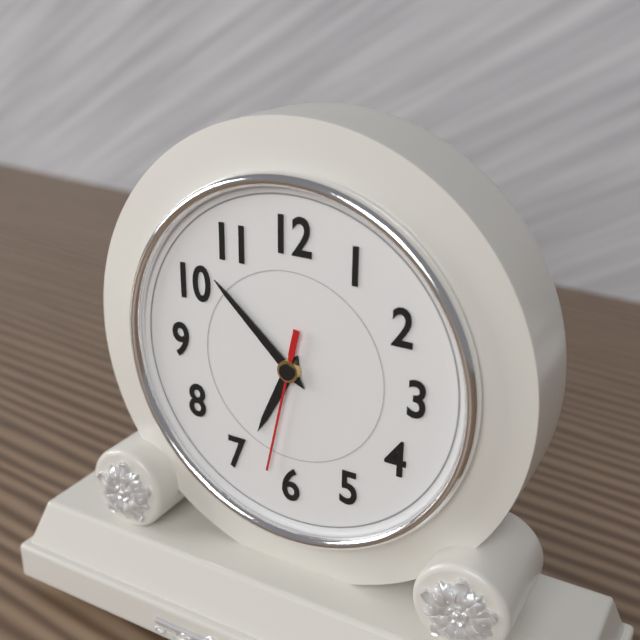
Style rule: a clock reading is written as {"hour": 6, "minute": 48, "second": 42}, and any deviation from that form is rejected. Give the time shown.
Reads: {"hour": 6, "minute": 52, "second": 32}
